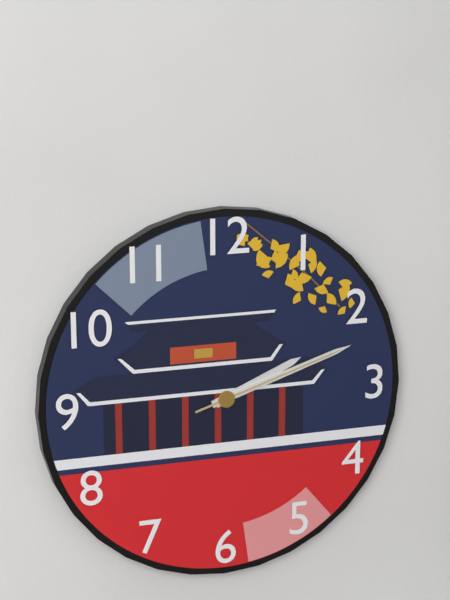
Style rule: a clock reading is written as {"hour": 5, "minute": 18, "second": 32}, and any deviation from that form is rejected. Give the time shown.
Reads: {"hour": 2, "minute": 12, "second": 12}
